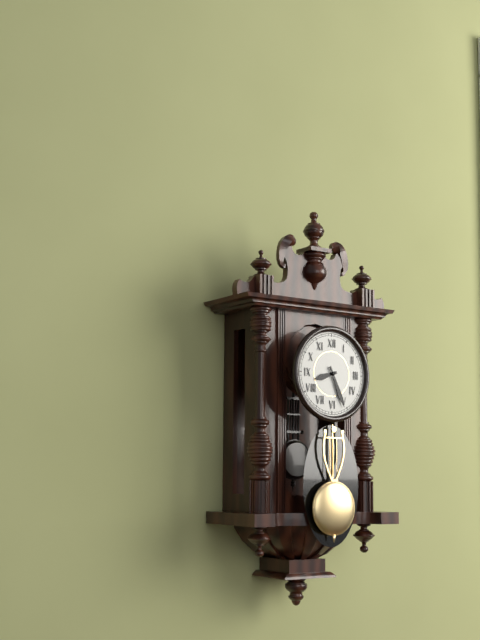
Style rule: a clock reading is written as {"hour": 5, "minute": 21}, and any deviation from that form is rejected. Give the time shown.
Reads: {"hour": 8, "minute": 26}
